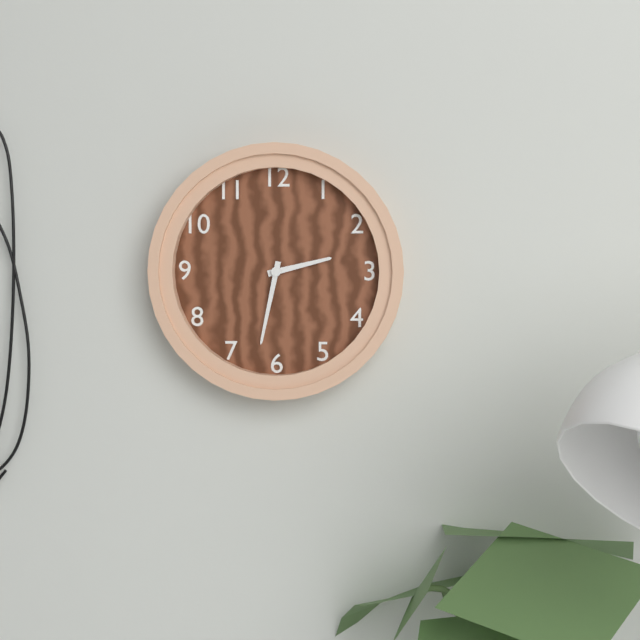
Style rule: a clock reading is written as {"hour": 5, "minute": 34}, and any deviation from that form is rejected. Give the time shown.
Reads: {"hour": 2, "minute": 32}
